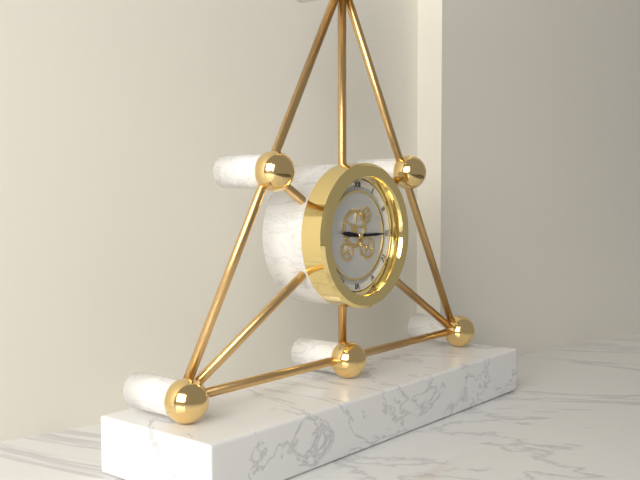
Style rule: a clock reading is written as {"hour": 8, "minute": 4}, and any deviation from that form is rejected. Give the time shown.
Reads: {"hour": 9, "minute": 15}
